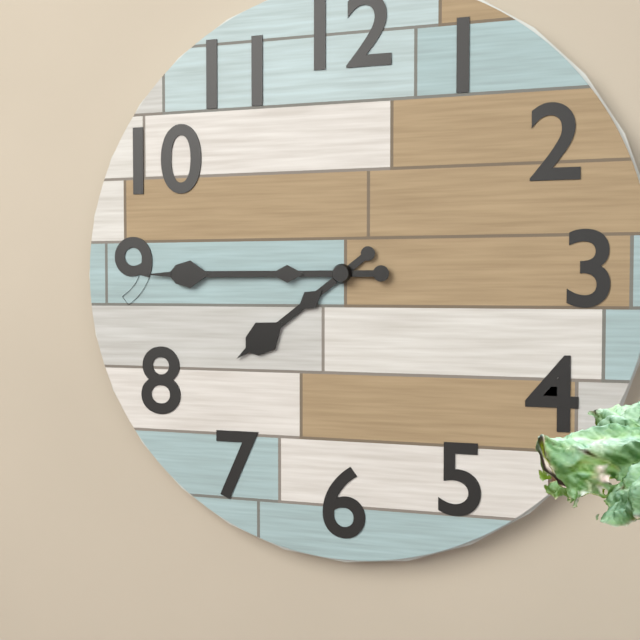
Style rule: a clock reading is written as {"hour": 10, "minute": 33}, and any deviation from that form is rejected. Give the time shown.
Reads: {"hour": 7, "minute": 45}
